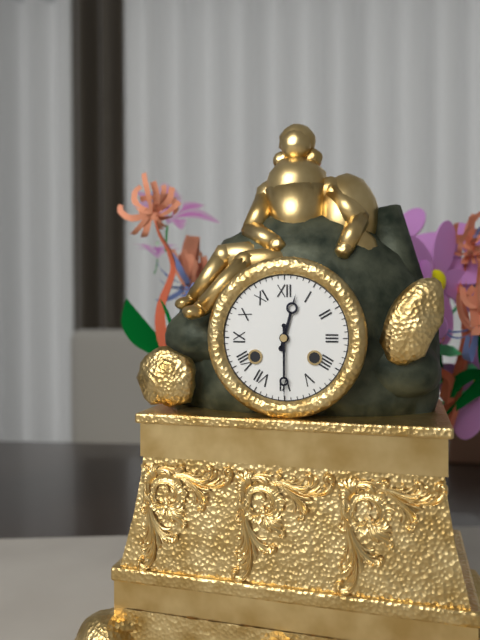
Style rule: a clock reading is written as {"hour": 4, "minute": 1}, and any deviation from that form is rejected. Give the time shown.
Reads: {"hour": 12, "minute": 30}
